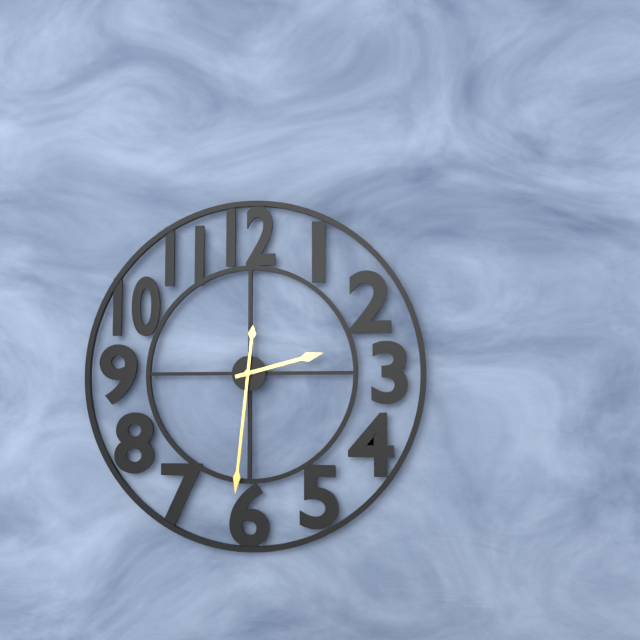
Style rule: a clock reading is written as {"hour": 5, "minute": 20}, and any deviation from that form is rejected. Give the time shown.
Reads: {"hour": 2, "minute": 31}
